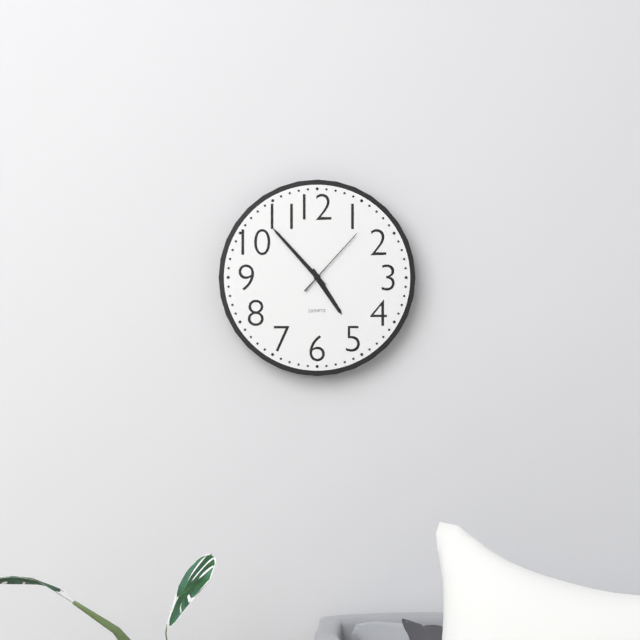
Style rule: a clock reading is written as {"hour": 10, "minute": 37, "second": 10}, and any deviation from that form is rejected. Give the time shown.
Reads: {"hour": 4, "minute": 53, "second": 7}
